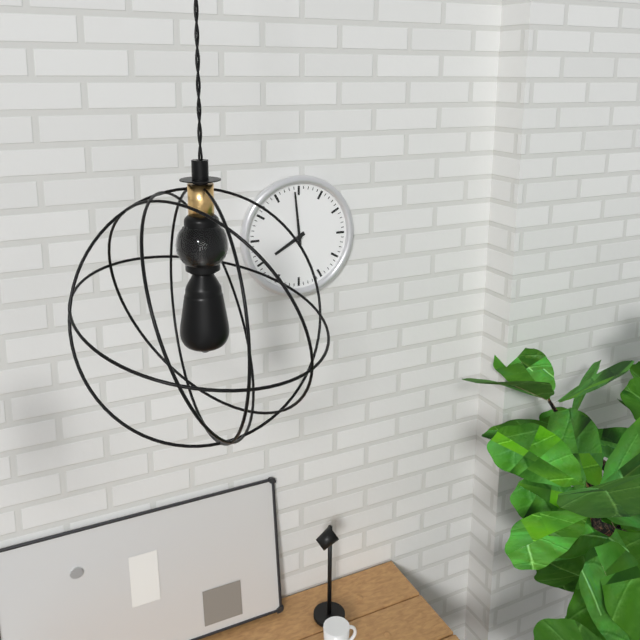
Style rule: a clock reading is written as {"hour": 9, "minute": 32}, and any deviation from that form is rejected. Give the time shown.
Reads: {"hour": 7, "minute": 59}
